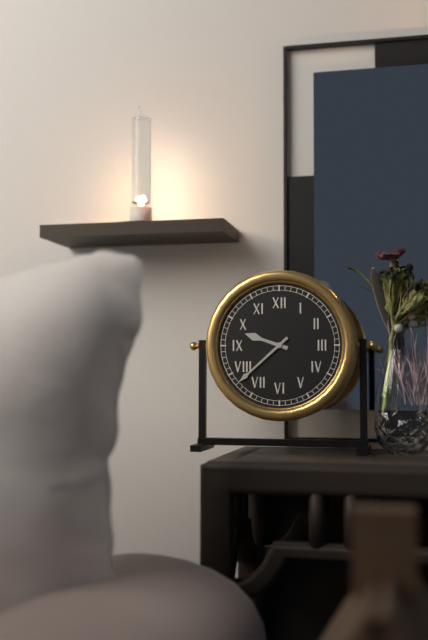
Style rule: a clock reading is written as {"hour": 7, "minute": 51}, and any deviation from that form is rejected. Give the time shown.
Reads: {"hour": 9, "minute": 38}
